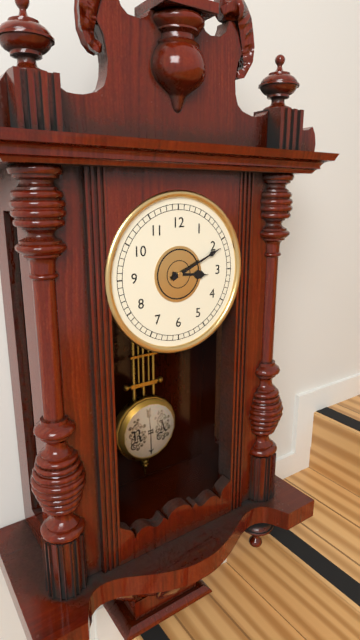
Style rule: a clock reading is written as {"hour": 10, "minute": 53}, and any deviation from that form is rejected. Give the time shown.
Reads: {"hour": 3, "minute": 11}
